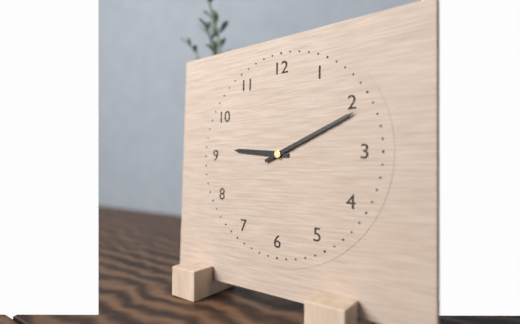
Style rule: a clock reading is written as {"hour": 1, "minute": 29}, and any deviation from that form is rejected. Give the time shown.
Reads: {"hour": 9, "minute": 11}
